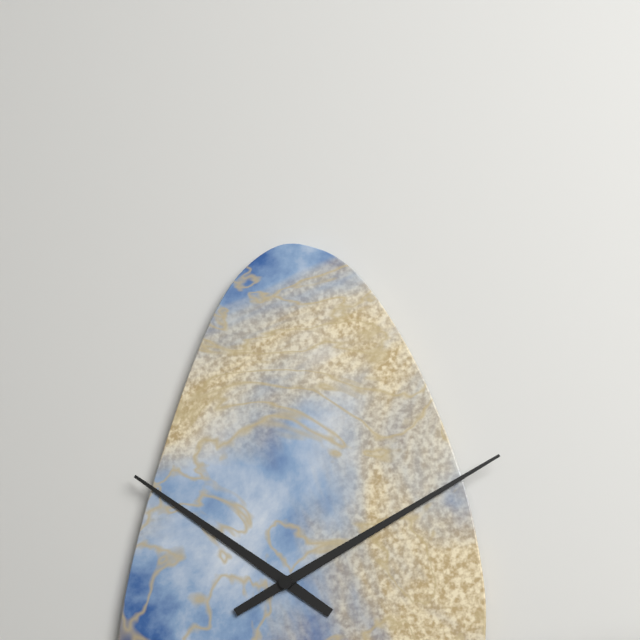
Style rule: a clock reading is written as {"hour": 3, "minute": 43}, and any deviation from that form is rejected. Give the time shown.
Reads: {"hour": 10, "minute": 10}
